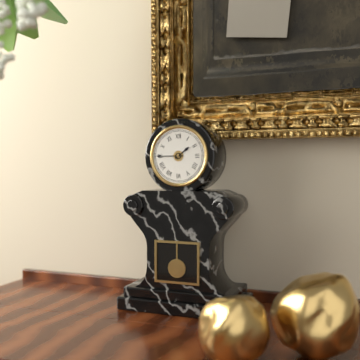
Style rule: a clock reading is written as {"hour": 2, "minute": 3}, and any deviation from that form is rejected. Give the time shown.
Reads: {"hour": 1, "minute": 45}
